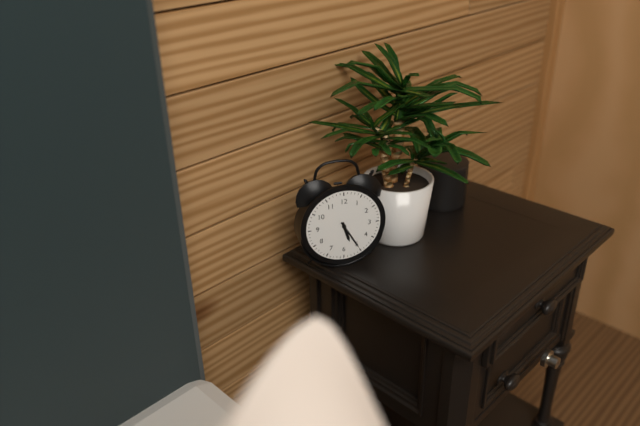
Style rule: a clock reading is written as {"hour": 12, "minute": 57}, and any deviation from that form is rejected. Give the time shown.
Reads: {"hour": 5, "minute": 25}
